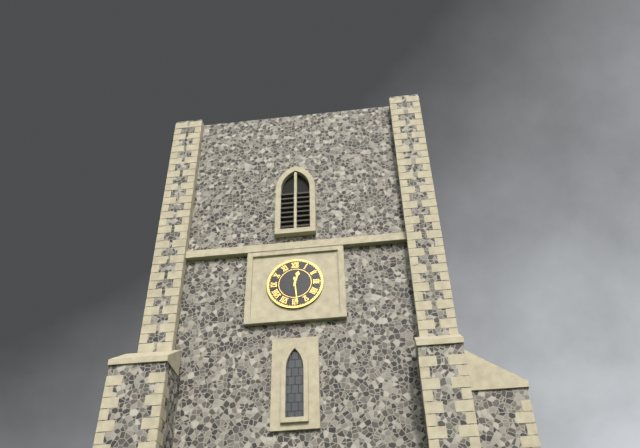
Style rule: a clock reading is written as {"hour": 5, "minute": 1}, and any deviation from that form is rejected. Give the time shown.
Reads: {"hour": 12, "minute": 29}
